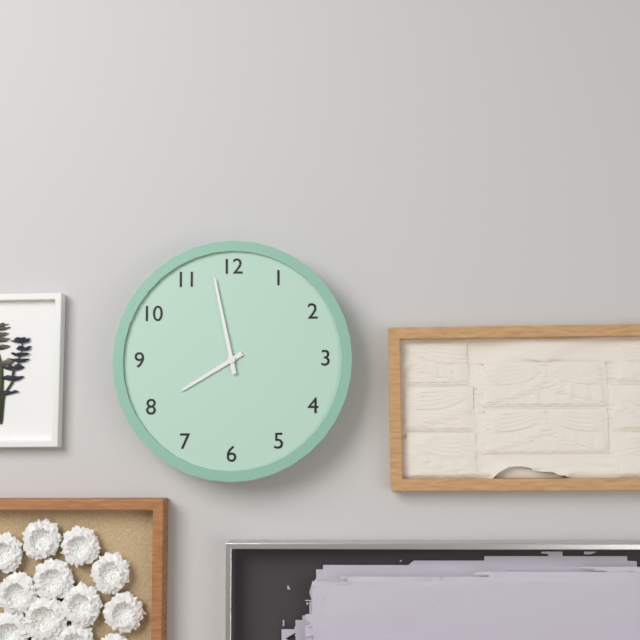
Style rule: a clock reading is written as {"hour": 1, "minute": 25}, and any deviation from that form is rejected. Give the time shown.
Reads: {"hour": 7, "minute": 58}
